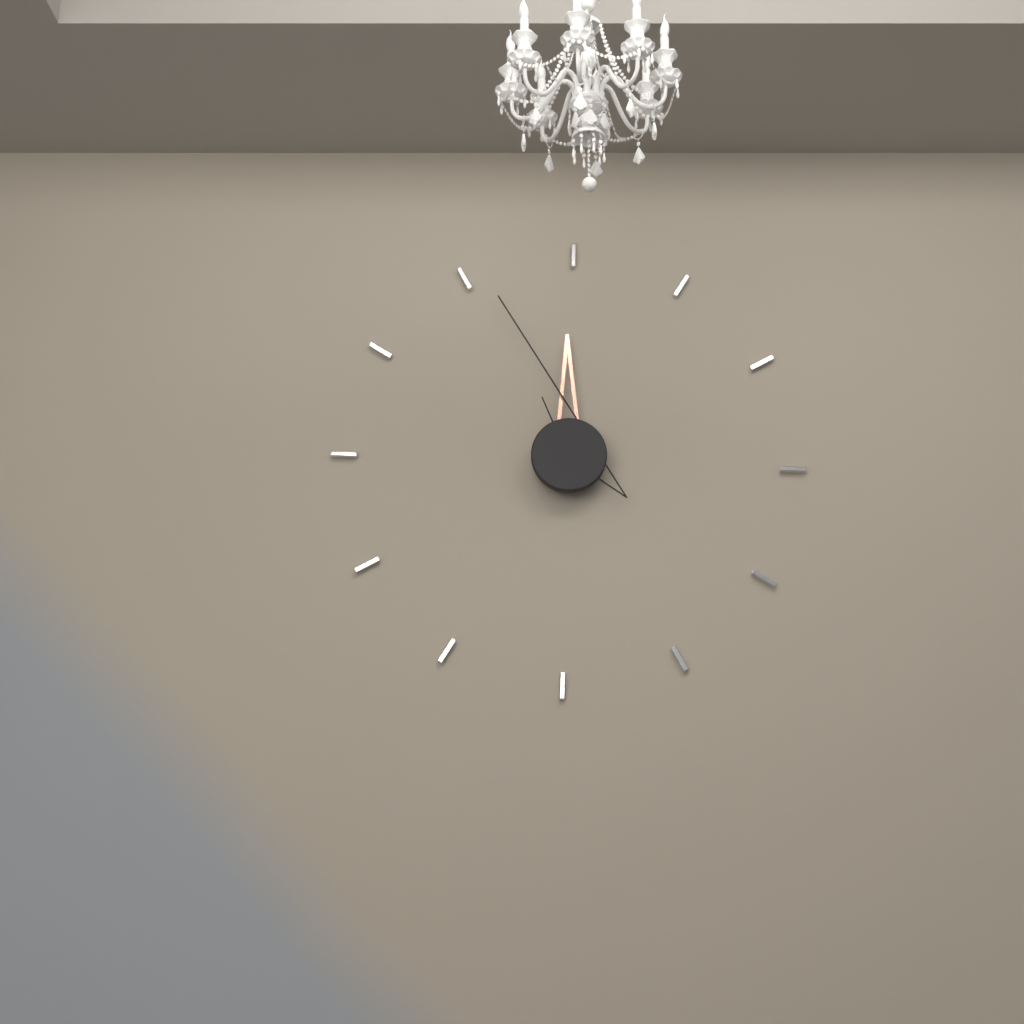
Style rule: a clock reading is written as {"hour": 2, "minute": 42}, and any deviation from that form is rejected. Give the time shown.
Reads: {"hour": 11, "minute": 56}
